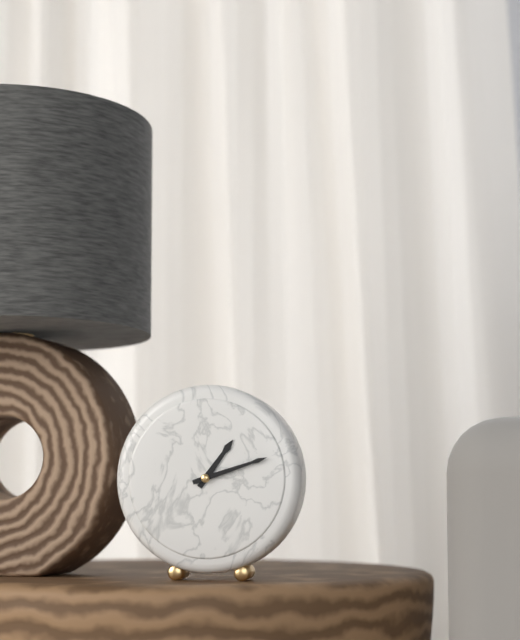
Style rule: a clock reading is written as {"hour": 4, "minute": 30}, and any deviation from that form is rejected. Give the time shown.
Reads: {"hour": 1, "minute": 12}
